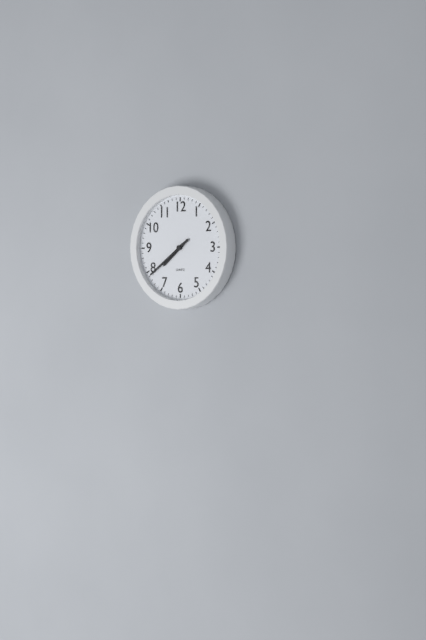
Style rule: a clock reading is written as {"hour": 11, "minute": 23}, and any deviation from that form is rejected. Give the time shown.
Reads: {"hour": 7, "minute": 39}
